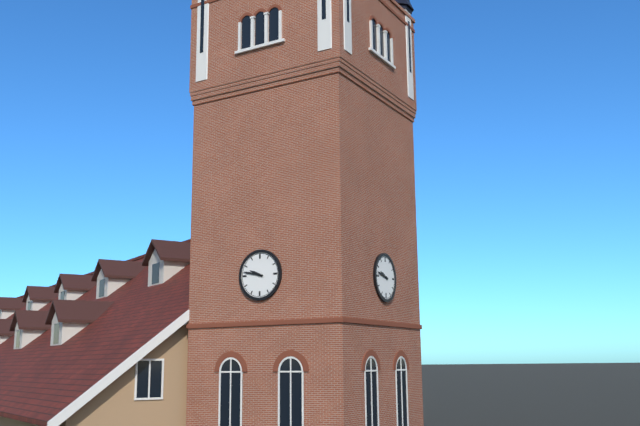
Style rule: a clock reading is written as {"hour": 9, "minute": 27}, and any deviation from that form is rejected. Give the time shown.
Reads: {"hour": 9, "minute": 47}
